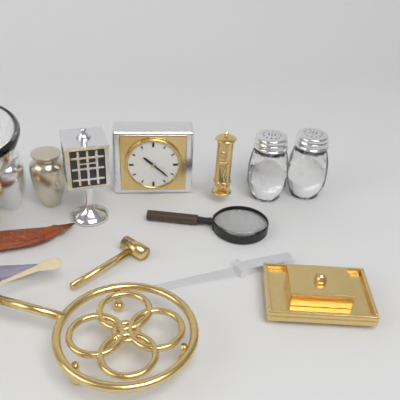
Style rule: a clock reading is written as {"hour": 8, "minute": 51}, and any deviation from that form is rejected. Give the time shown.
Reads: {"hour": 10, "minute": 22}
